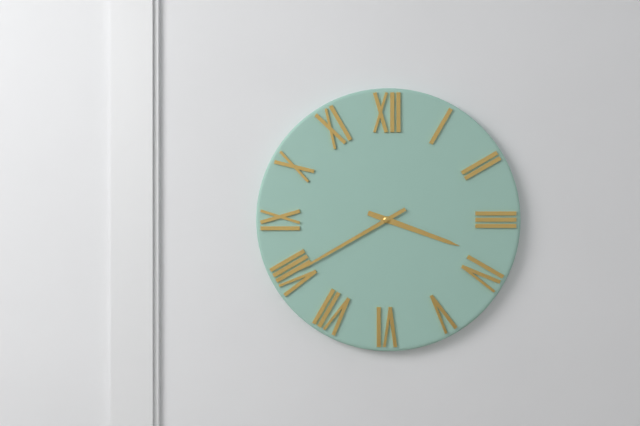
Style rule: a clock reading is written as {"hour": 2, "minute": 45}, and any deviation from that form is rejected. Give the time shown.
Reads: {"hour": 3, "minute": 40}
